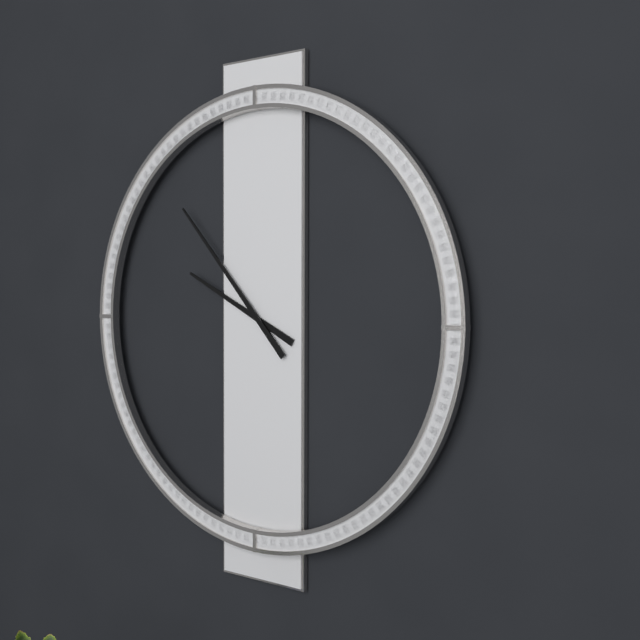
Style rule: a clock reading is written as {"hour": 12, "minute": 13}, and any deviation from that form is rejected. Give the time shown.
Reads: {"hour": 9, "minute": 53}
